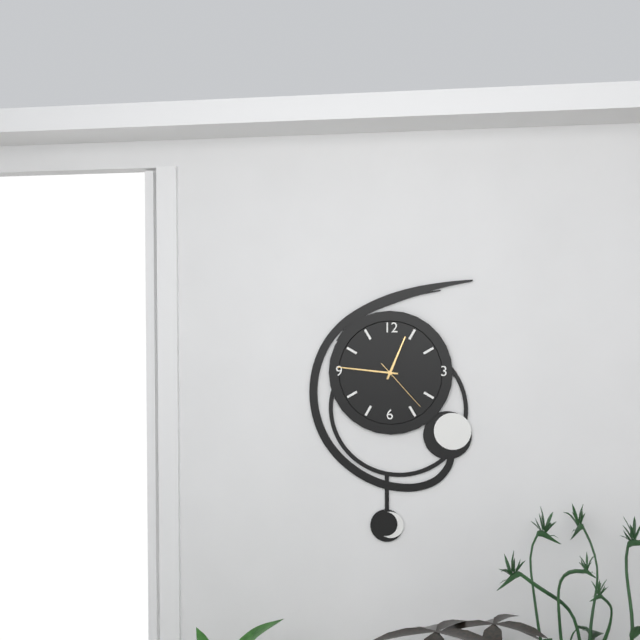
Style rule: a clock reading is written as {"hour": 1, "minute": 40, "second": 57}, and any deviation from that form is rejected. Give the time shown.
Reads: {"hour": 12, "minute": 46, "second": 23}
